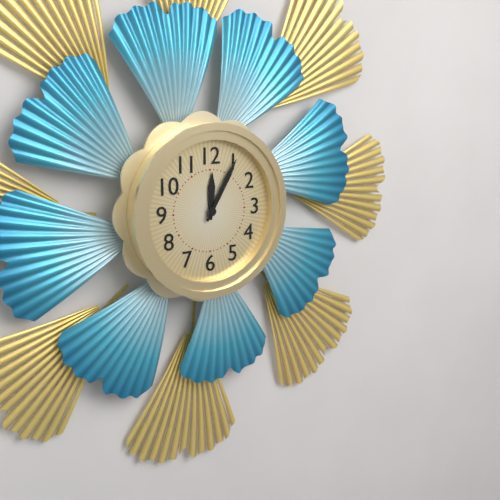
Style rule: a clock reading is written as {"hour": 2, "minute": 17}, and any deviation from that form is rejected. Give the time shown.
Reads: {"hour": 12, "minute": 5}
